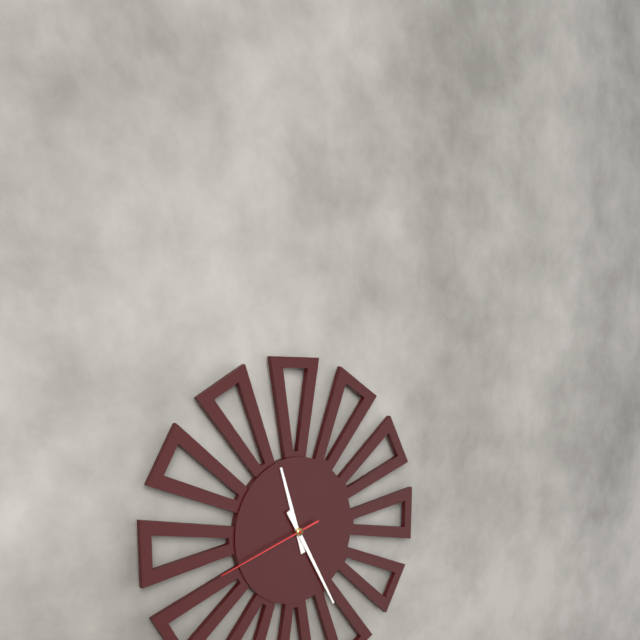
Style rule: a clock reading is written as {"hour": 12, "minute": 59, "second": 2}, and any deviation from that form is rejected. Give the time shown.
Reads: {"hour": 11, "minute": 25, "second": 42}
